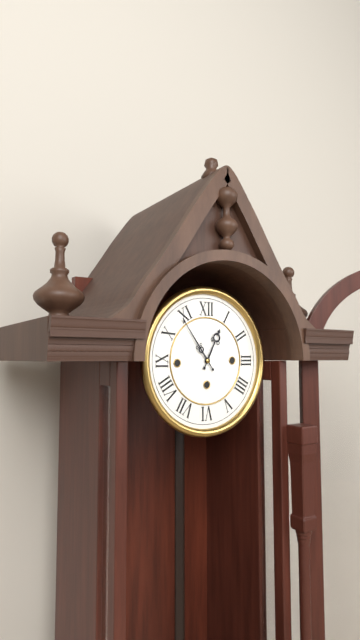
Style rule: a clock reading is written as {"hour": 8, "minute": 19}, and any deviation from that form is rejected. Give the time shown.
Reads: {"hour": 12, "minute": 54}
